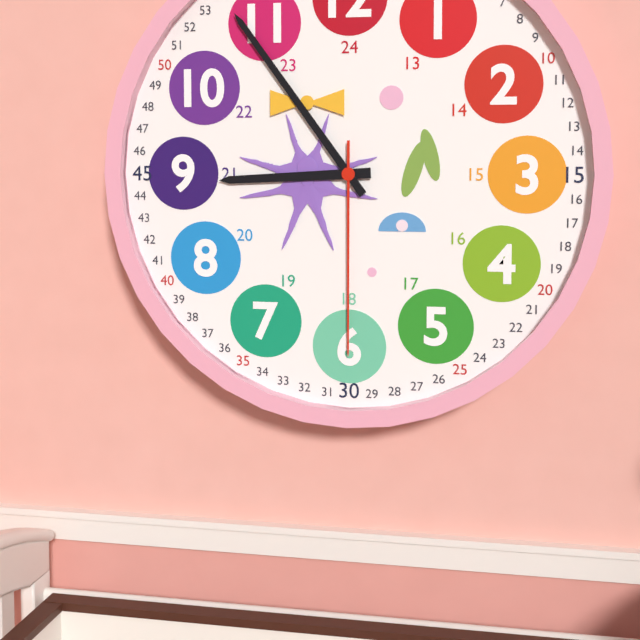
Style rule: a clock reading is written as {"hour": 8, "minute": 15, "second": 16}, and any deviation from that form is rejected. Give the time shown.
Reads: {"hour": 8, "minute": 54, "second": 30}
